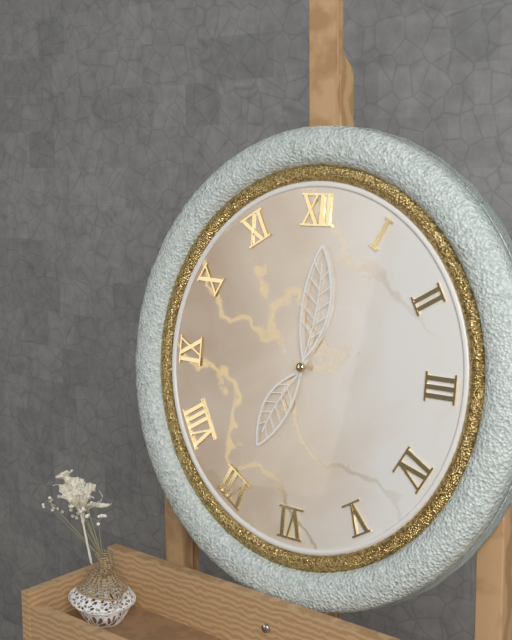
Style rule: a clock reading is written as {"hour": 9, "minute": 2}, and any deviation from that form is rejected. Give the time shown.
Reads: {"hour": 7, "minute": 1}
